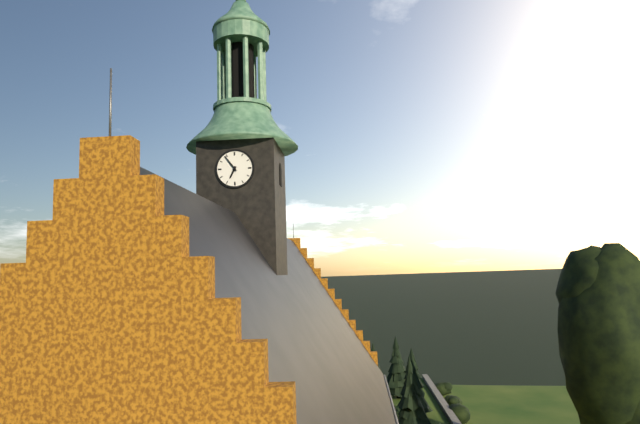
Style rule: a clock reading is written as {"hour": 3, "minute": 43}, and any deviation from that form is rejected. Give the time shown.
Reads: {"hour": 6, "minute": 54}
